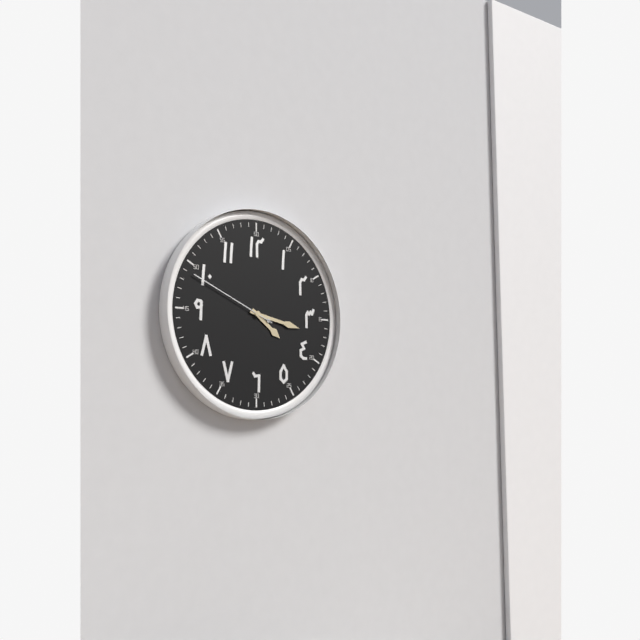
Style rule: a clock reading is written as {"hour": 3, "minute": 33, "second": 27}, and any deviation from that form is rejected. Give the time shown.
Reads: {"hour": 4, "minute": 17, "second": 49}
